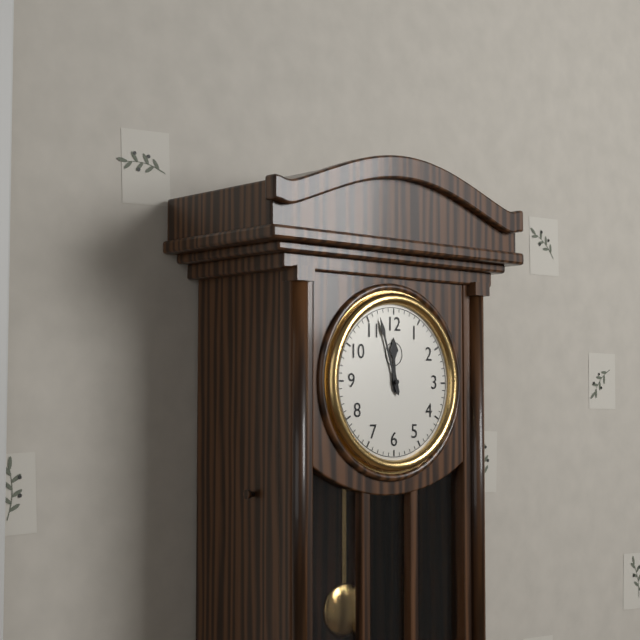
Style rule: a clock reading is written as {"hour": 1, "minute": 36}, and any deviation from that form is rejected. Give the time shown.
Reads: {"hour": 11, "minute": 57}
